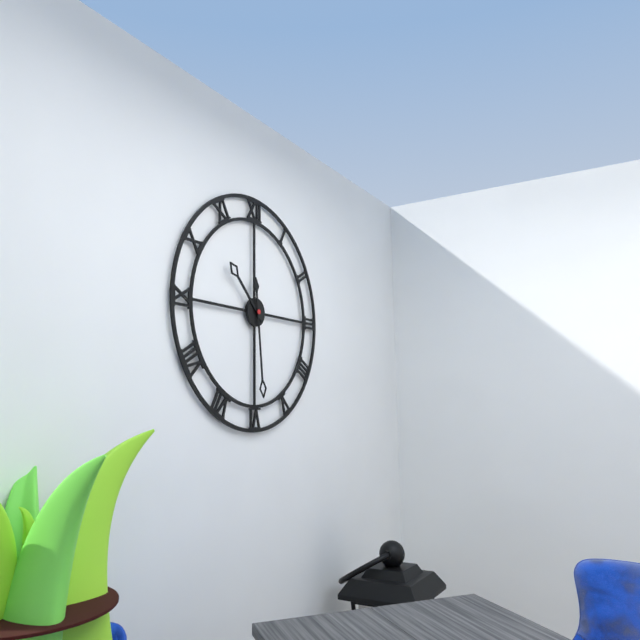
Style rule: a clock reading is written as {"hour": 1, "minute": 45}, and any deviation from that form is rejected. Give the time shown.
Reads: {"hour": 10, "minute": 29}
